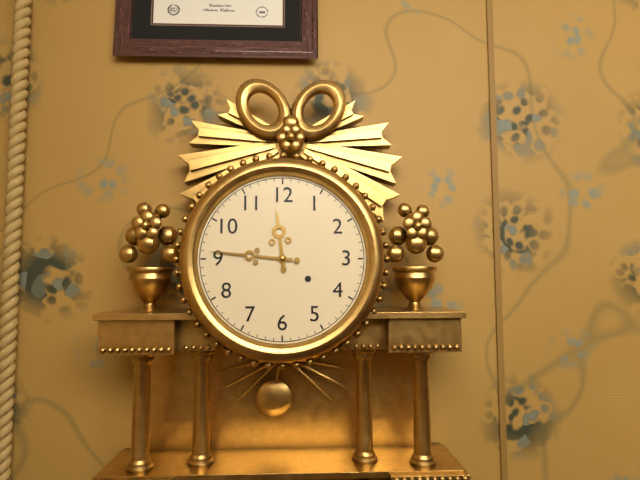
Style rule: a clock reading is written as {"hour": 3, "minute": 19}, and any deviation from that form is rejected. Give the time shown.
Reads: {"hour": 11, "minute": 46}
